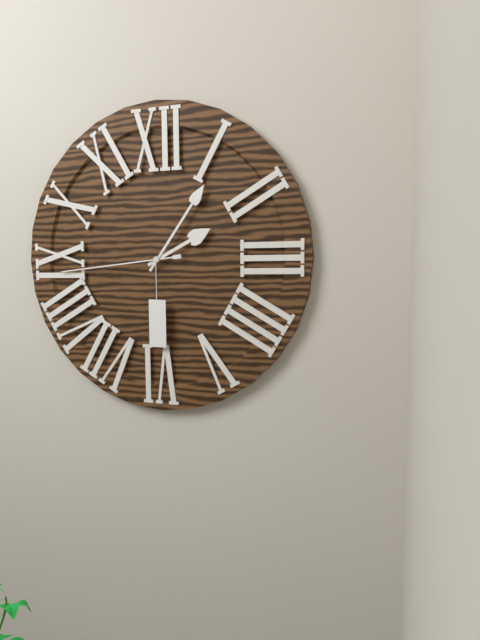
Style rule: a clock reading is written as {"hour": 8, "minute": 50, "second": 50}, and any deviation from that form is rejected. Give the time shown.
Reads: {"hour": 2, "minute": 6, "second": 44}
